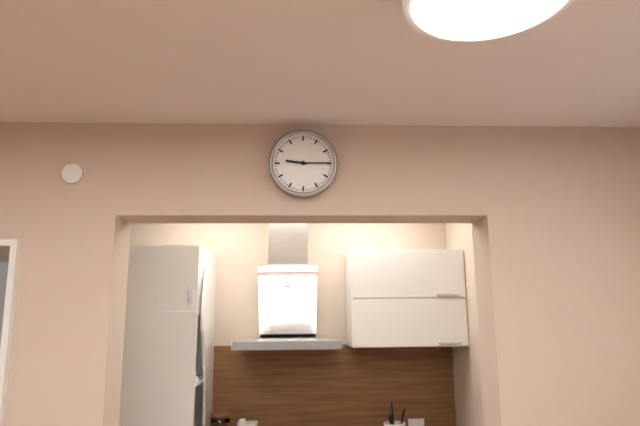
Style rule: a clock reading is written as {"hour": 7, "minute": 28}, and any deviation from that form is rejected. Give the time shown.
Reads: {"hour": 9, "minute": 15}
